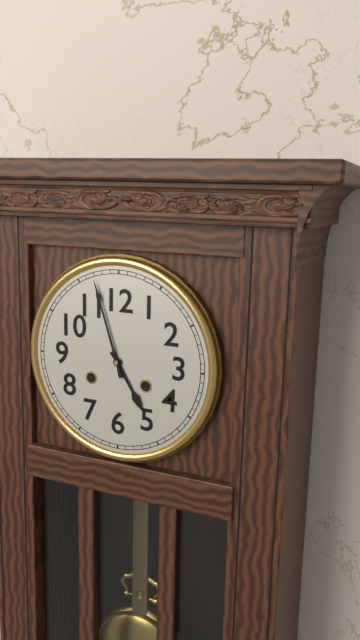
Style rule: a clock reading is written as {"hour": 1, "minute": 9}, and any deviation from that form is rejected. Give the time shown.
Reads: {"hour": 4, "minute": 57}
